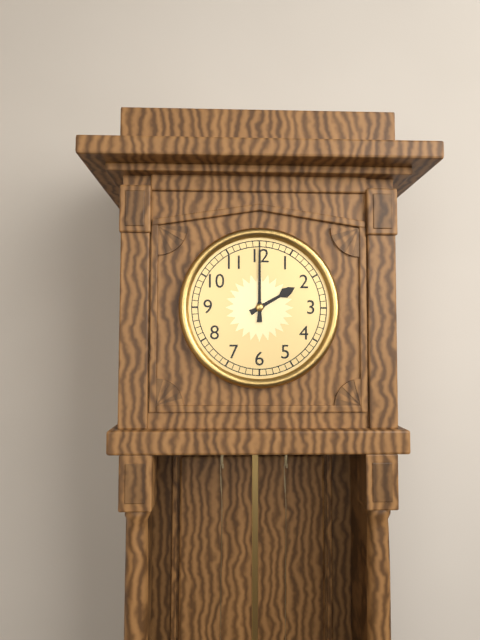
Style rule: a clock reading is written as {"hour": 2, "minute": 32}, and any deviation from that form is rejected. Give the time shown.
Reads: {"hour": 2, "minute": 0}
